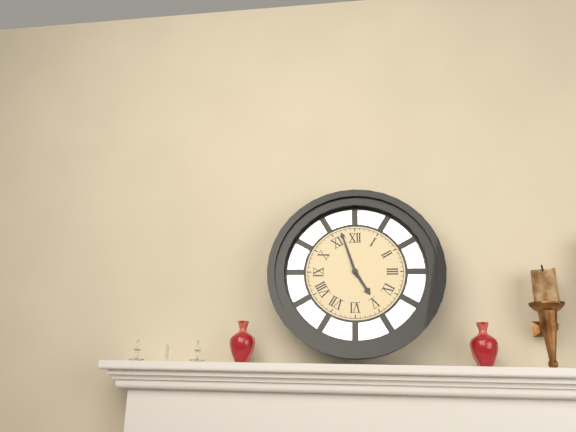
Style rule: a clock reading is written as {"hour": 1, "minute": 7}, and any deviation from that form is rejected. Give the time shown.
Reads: {"hour": 4, "minute": 57}
